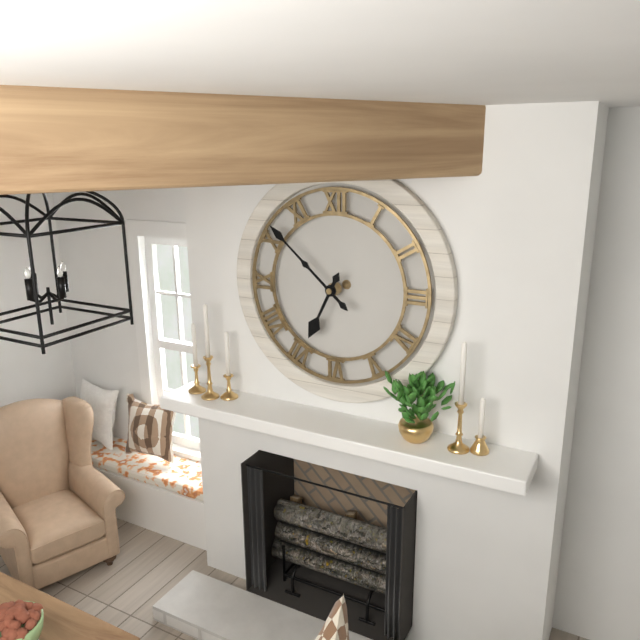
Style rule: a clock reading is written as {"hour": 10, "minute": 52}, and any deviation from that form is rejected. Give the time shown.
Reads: {"hour": 6, "minute": 52}
